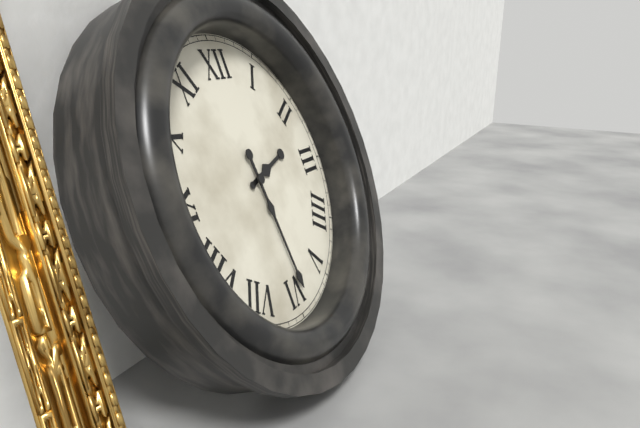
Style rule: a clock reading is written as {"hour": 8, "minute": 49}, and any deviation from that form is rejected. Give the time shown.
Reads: {"hour": 2, "minute": 29}
